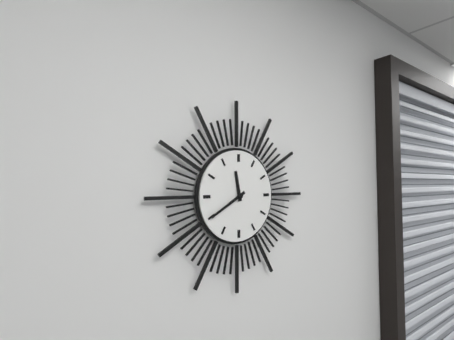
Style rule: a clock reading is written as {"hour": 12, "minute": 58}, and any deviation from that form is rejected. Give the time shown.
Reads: {"hour": 11, "minute": 40}
